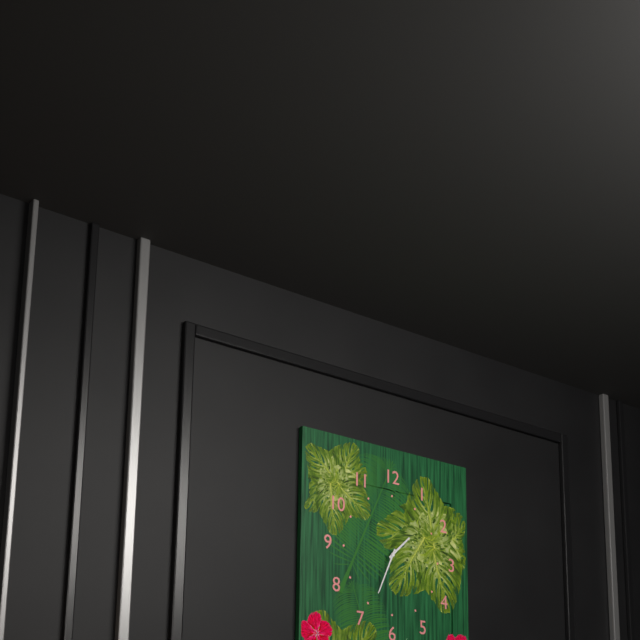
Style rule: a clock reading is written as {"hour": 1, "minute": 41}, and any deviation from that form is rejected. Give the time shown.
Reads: {"hour": 1, "minute": 34}
